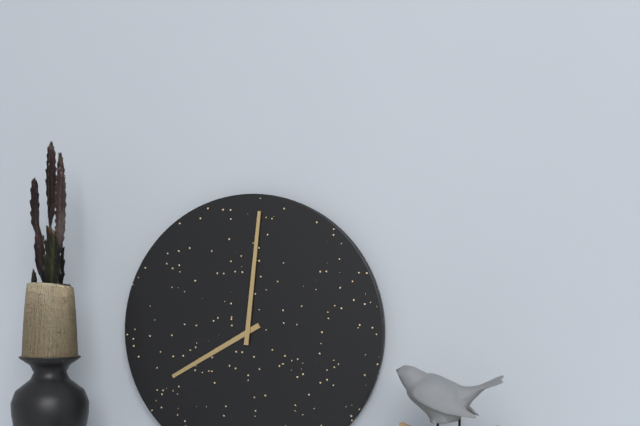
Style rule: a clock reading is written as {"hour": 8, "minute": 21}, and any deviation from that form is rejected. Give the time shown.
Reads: {"hour": 8, "minute": 1}
